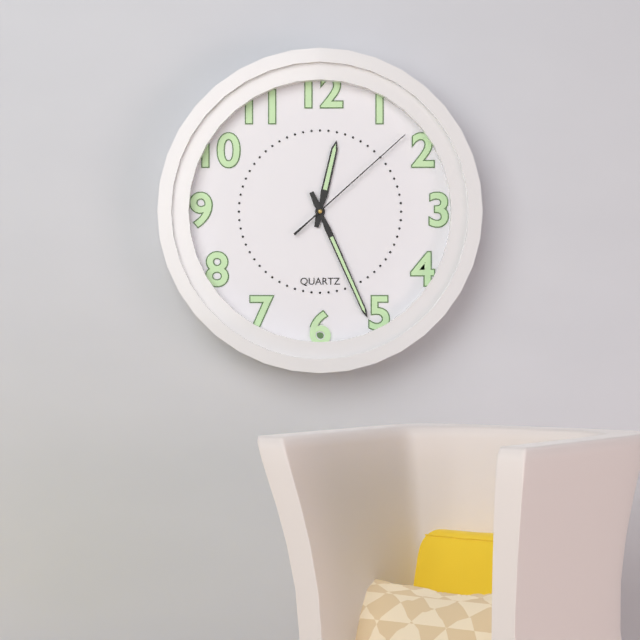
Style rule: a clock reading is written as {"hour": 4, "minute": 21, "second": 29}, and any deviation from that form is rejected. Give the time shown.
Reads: {"hour": 12, "minute": 26, "second": 8}
